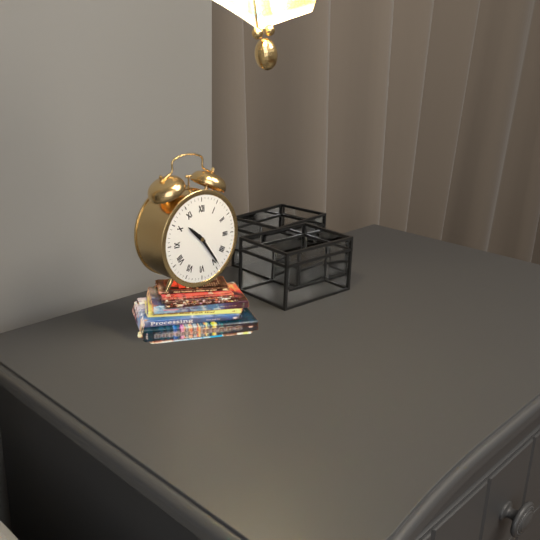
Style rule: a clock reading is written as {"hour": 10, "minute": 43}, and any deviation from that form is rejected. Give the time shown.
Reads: {"hour": 10, "minute": 24}
